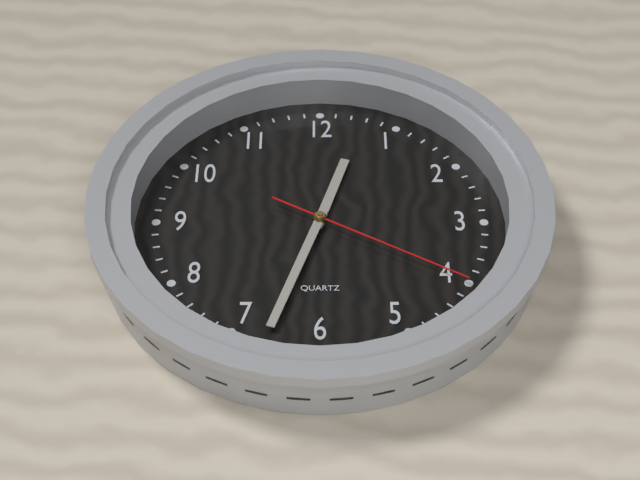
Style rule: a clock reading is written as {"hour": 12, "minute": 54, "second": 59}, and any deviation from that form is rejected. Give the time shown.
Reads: {"hour": 12, "minute": 33, "second": 20}
